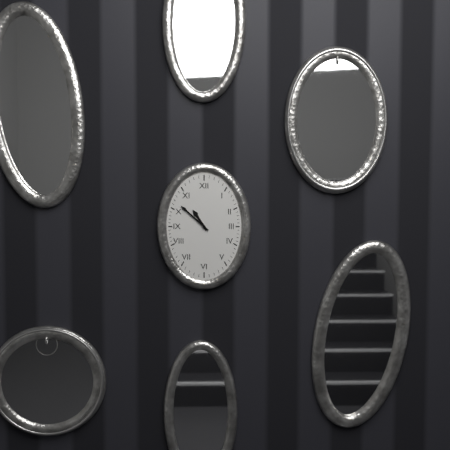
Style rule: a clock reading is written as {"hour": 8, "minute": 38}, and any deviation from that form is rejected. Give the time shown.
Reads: {"hour": 10, "minute": 52}
